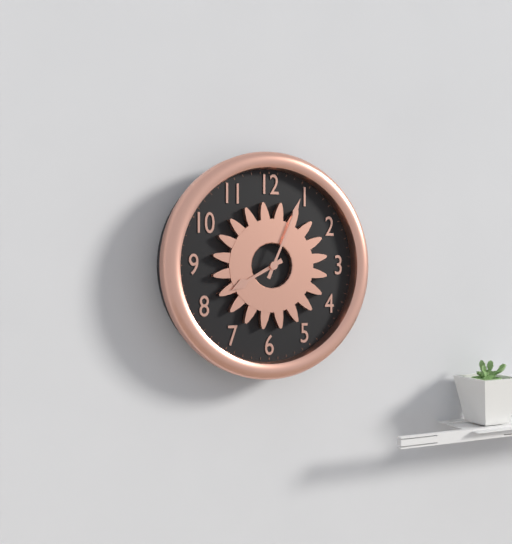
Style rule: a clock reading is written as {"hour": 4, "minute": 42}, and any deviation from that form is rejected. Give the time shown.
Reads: {"hour": 8, "minute": 4}
